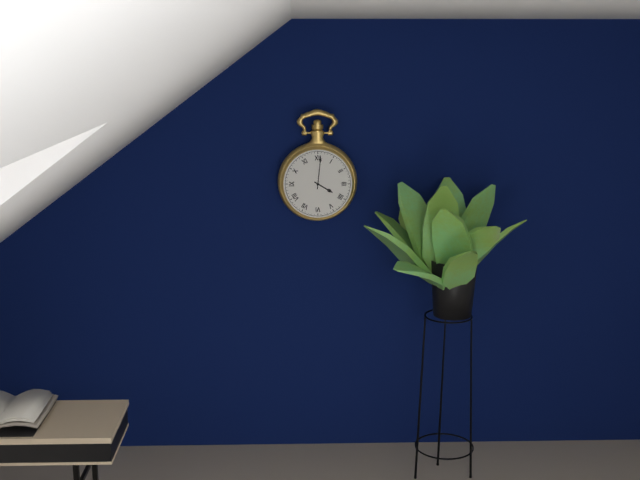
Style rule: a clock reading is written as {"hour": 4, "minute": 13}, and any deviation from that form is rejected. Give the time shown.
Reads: {"hour": 4, "minute": 1}
